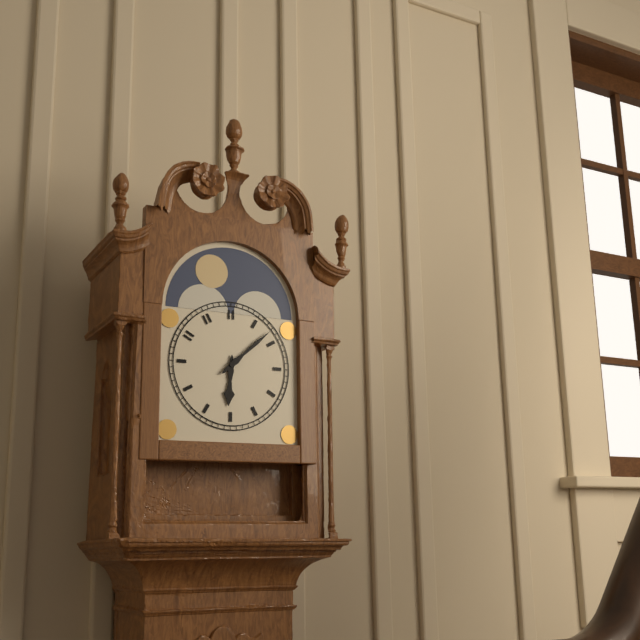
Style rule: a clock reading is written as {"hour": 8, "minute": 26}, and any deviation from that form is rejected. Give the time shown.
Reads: {"hour": 6, "minute": 8}
